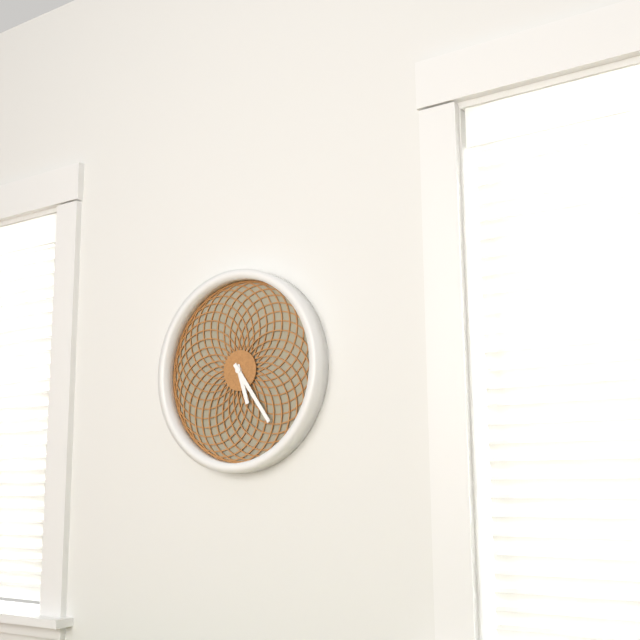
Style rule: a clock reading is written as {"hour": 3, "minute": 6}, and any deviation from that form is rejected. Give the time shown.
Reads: {"hour": 5, "minute": 24}
